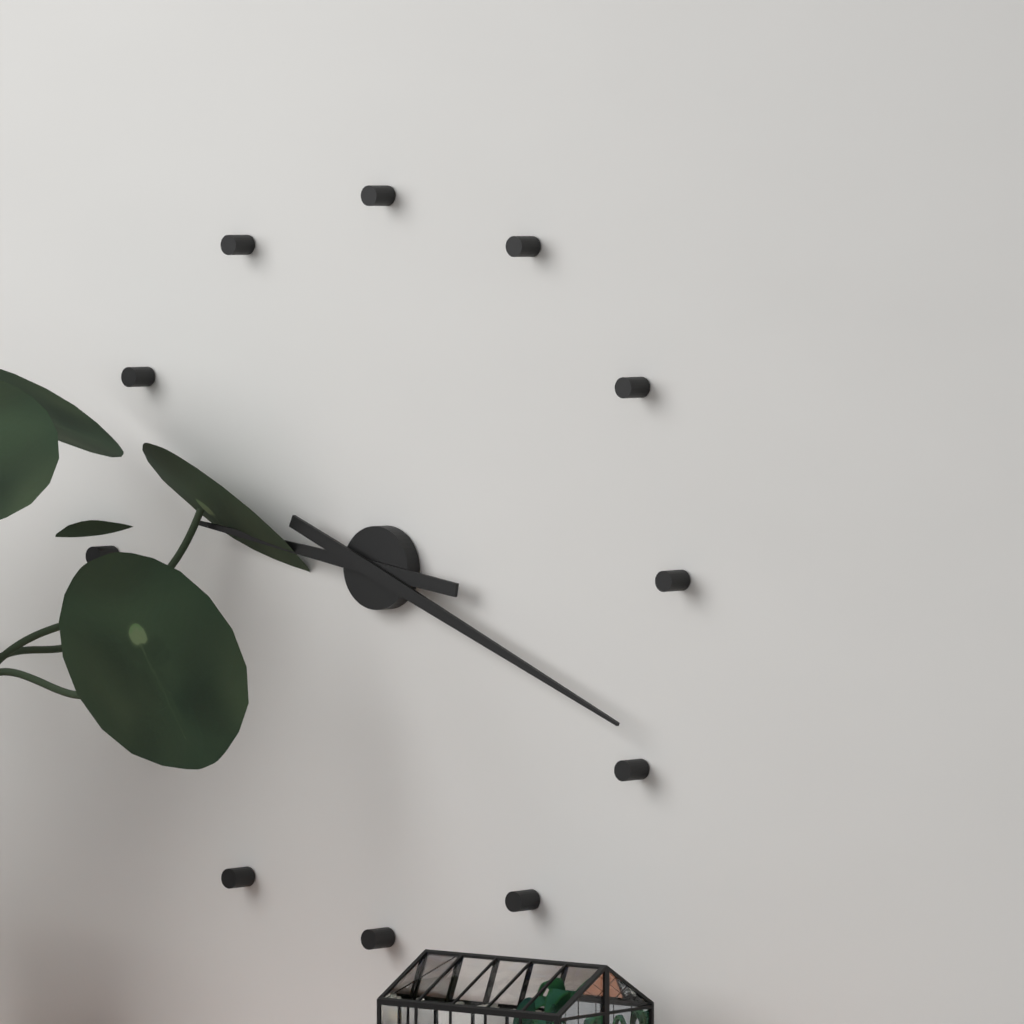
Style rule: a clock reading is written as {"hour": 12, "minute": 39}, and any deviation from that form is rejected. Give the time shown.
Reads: {"hour": 9, "minute": 19}
